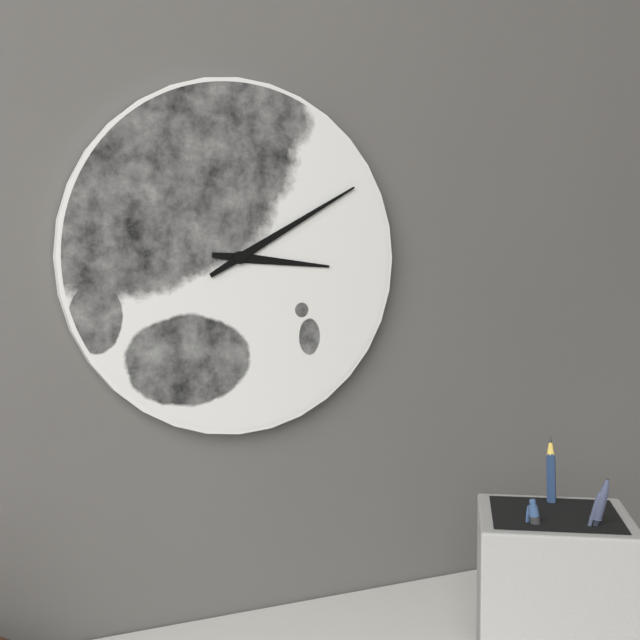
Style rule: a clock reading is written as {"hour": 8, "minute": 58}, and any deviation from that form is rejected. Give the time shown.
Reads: {"hour": 3, "minute": 10}
